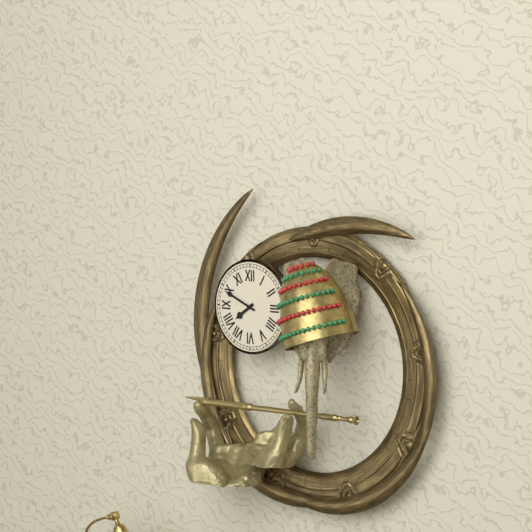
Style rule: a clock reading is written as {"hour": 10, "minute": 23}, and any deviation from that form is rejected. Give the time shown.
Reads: {"hour": 7, "minute": 49}
